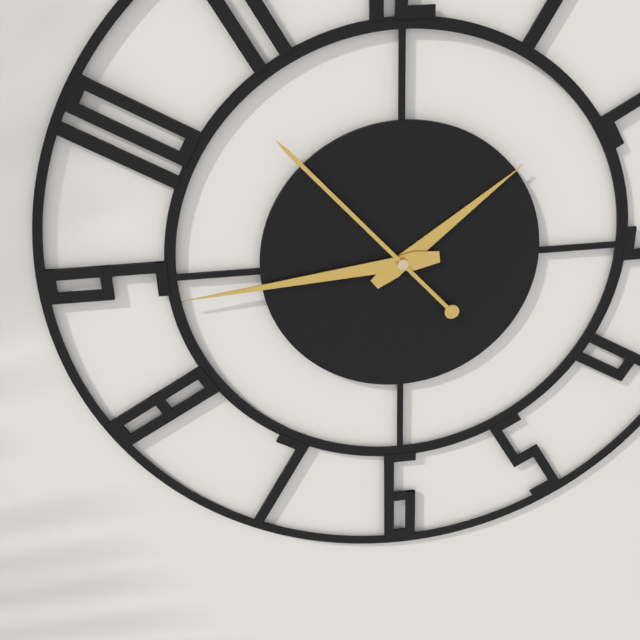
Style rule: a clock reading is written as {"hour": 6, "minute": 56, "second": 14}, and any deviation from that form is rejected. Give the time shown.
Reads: {"hour": 1, "minute": 44, "second": 53}
